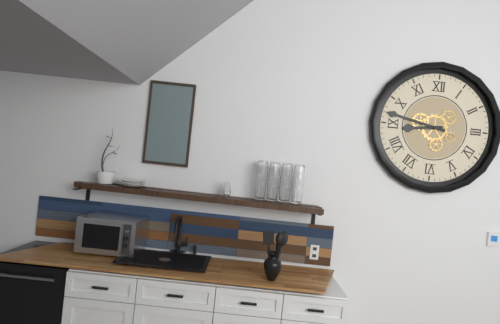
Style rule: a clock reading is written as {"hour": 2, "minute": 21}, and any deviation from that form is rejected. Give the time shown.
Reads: {"hour": 8, "minute": 47}
